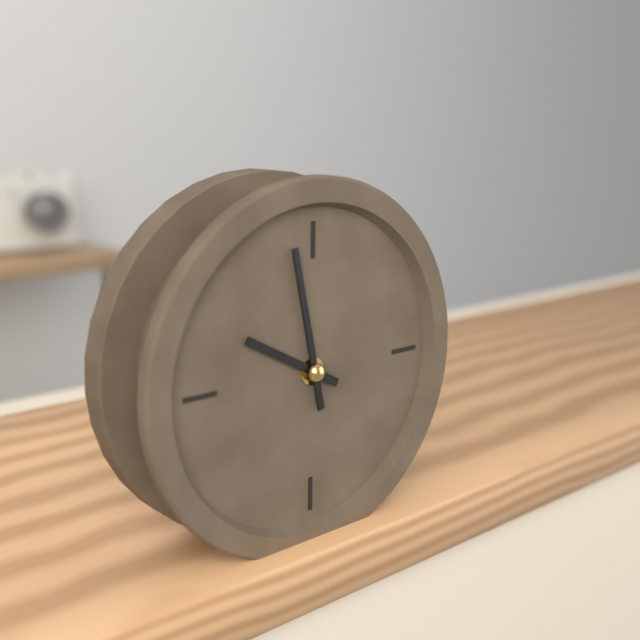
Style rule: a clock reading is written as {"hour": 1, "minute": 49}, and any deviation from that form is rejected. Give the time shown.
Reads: {"hour": 9, "minute": 58}
